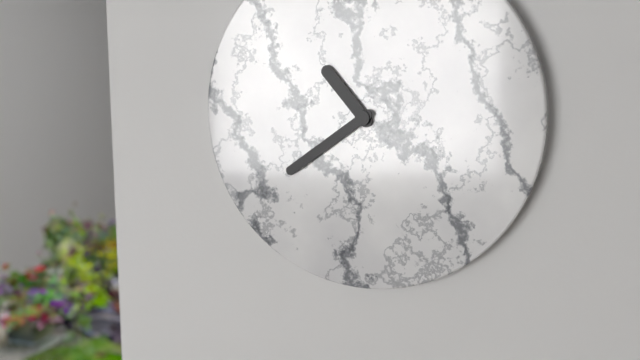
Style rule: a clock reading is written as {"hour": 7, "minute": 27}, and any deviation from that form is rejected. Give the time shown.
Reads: {"hour": 10, "minute": 39}
